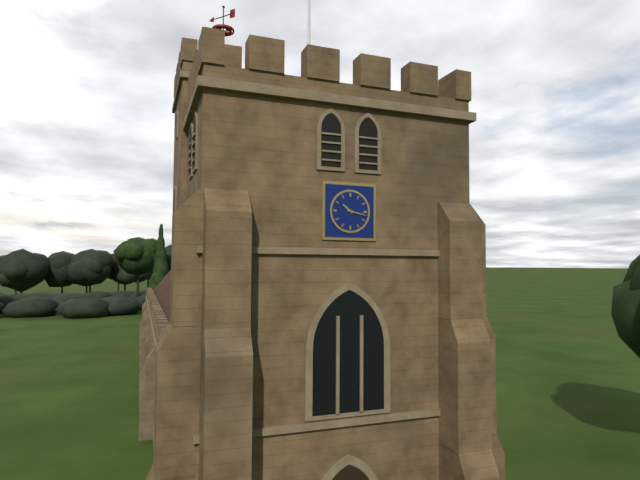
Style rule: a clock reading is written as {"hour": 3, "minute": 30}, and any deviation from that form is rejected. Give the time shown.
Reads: {"hour": 10, "minute": 17}
